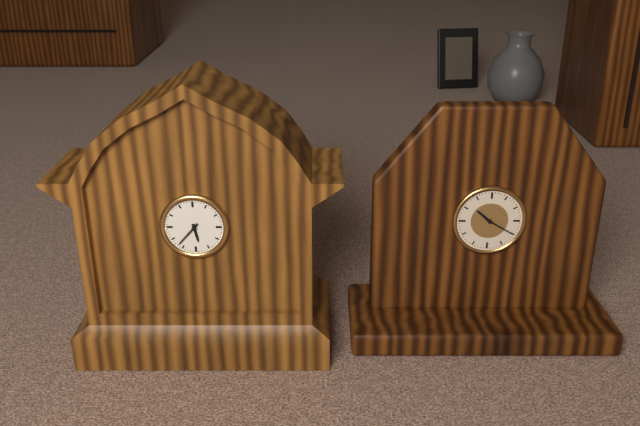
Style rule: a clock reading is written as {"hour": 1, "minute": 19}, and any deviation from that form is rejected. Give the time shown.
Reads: {"hour": 5, "minute": 37}
